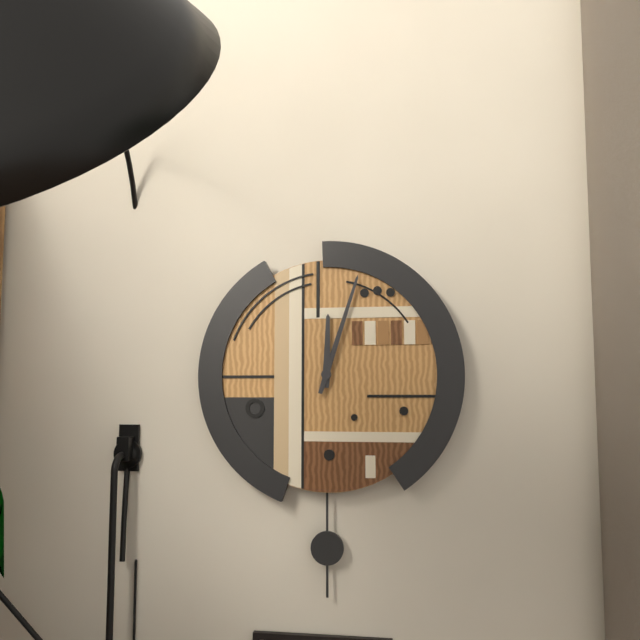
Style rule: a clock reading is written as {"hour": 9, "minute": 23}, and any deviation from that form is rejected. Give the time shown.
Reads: {"hour": 12, "minute": 3}
